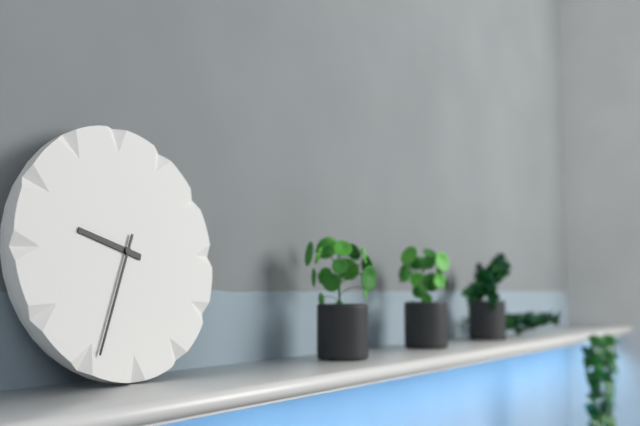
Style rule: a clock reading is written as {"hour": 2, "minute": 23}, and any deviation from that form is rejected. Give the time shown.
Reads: {"hour": 9, "minute": 34}
